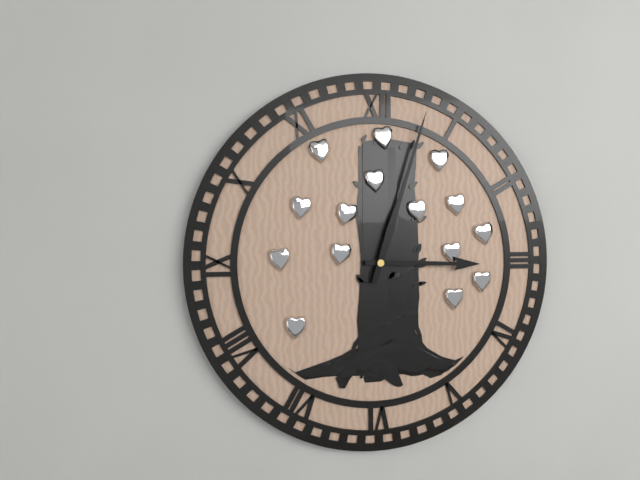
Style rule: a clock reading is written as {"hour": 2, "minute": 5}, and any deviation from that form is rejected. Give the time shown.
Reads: {"hour": 3, "minute": 3}
